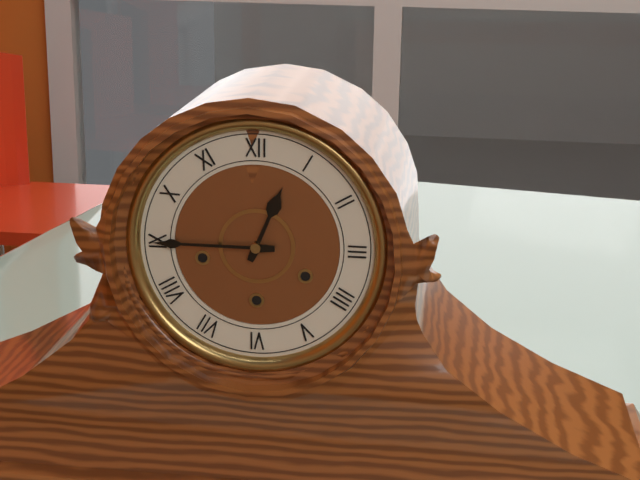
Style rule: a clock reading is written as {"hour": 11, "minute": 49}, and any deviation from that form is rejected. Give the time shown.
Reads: {"hour": 12, "minute": 45}
